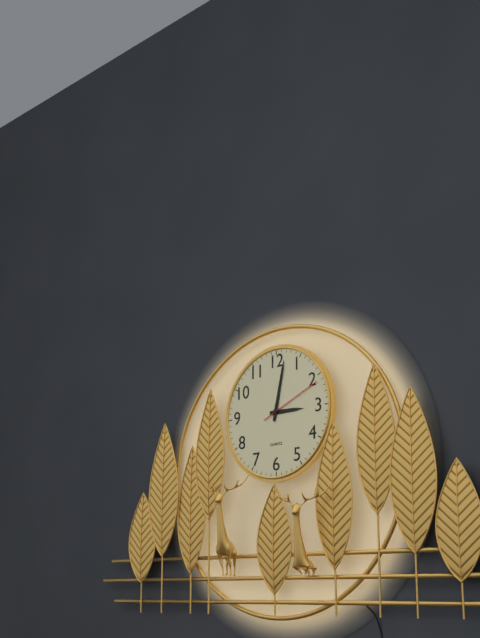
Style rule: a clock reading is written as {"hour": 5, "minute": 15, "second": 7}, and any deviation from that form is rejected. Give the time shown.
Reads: {"hour": 3, "minute": 2, "second": 11}
